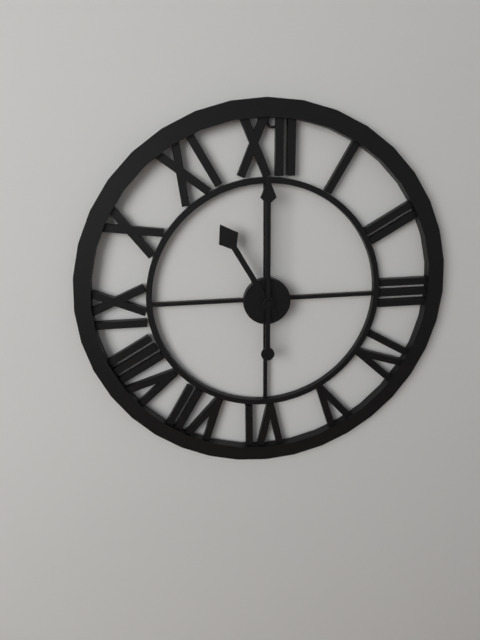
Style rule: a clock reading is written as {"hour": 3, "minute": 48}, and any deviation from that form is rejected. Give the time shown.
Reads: {"hour": 11, "minute": 0}
